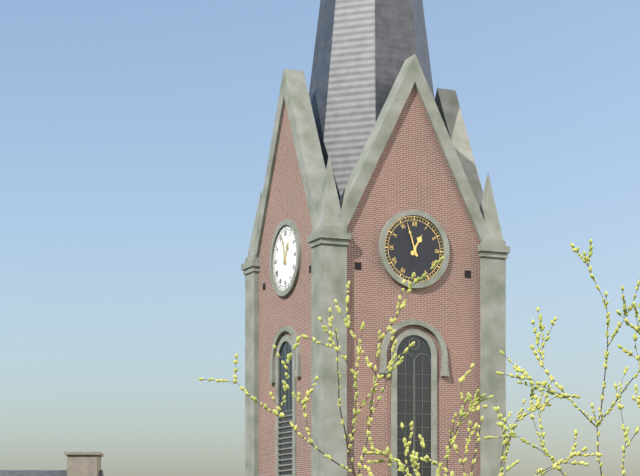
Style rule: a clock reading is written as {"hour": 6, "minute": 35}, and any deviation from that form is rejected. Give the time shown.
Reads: {"hour": 12, "minute": 57}
